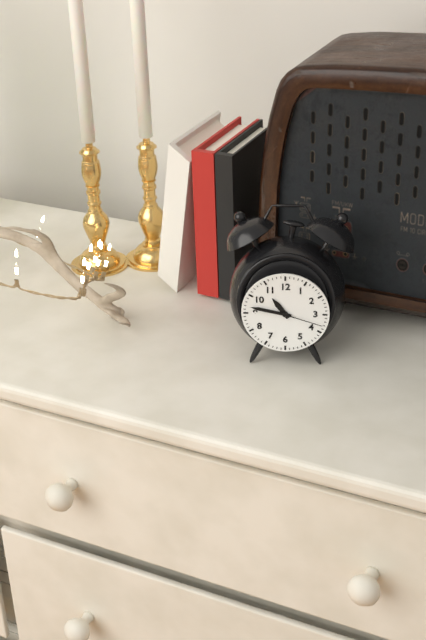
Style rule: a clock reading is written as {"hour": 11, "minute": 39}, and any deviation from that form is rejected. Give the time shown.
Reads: {"hour": 10, "minute": 47}
